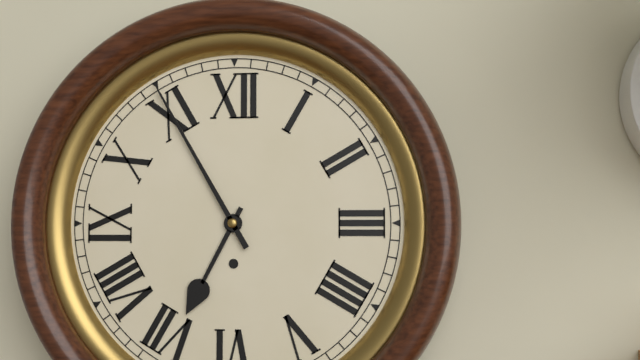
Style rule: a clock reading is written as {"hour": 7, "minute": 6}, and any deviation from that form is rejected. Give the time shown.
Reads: {"hour": 6, "minute": 55}
